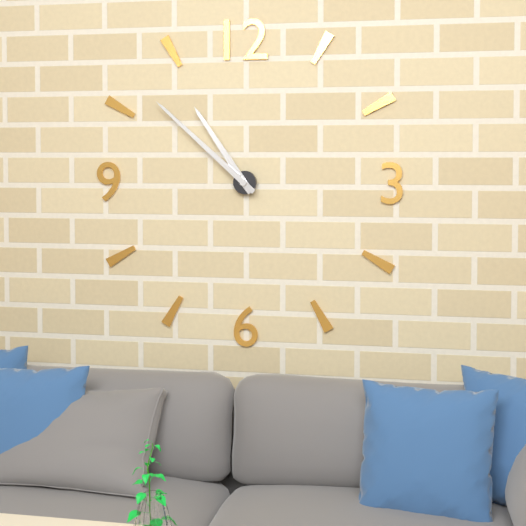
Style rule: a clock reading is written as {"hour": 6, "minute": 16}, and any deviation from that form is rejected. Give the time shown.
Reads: {"hour": 10, "minute": 52}
